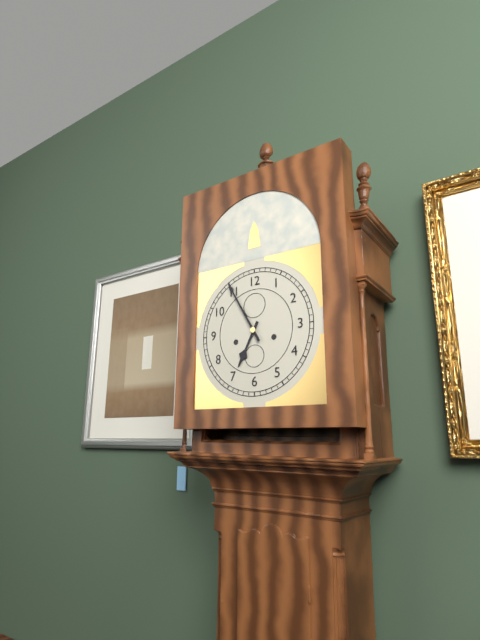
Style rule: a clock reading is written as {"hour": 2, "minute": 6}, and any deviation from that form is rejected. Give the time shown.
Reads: {"hour": 6, "minute": 55}
